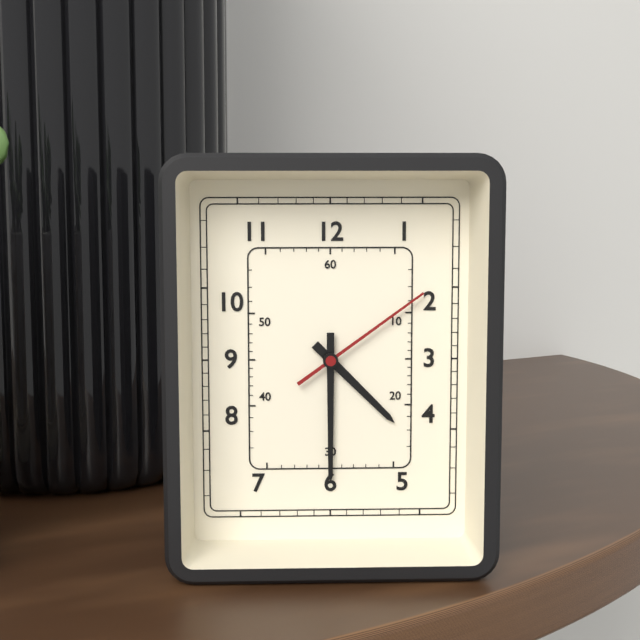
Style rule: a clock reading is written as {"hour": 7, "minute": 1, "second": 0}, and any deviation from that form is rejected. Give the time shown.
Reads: {"hour": 4, "minute": 30, "second": 9}
